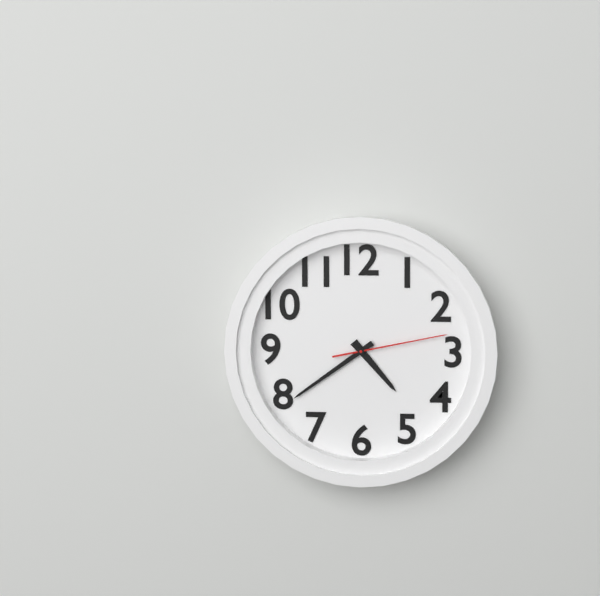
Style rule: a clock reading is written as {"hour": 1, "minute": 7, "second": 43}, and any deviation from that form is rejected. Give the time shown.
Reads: {"hour": 4, "minute": 39, "second": 13}
